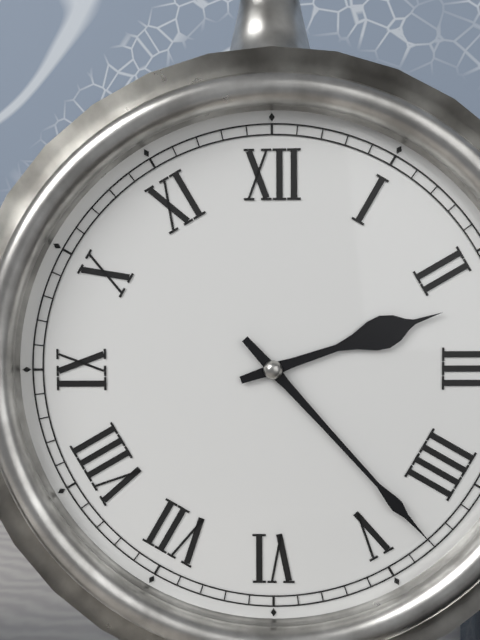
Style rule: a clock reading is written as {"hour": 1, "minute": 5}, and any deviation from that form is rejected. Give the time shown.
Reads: {"hour": 2, "minute": 23}
